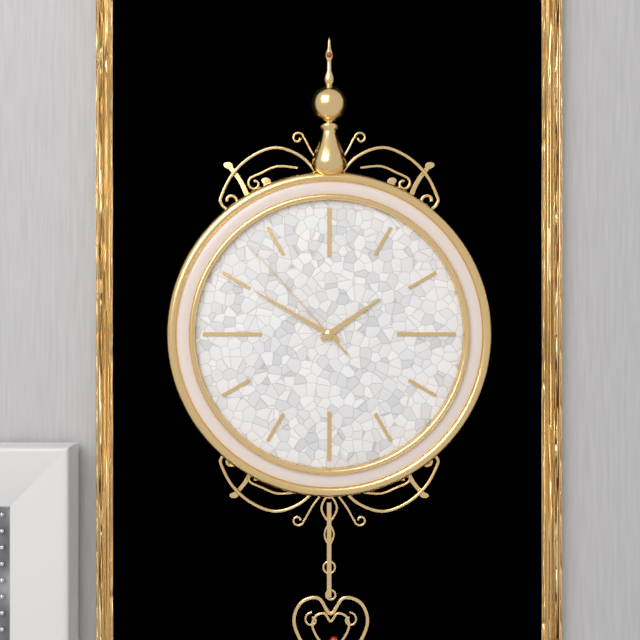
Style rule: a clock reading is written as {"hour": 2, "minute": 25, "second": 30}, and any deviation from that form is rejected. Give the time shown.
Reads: {"hour": 1, "minute": 50, "second": 53}
